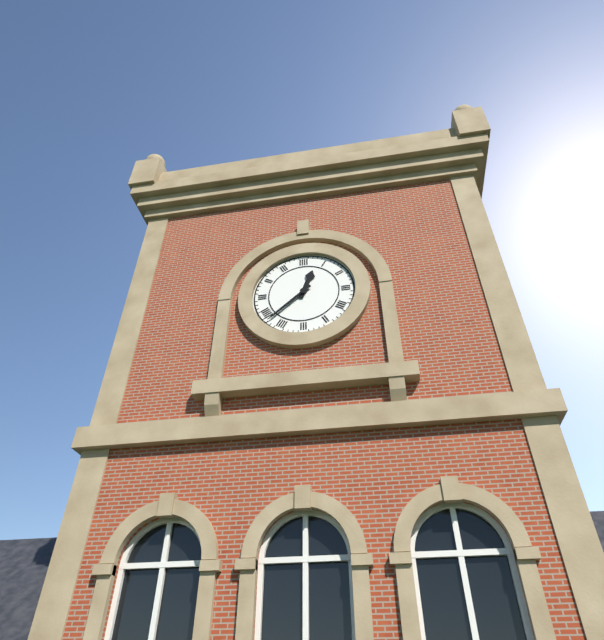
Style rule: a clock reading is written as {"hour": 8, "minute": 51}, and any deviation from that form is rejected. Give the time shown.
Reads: {"hour": 12, "minute": 38}
